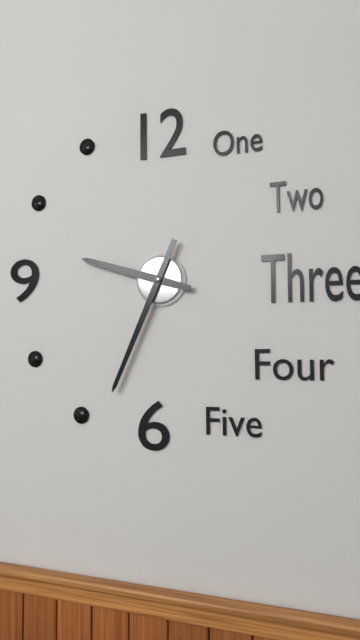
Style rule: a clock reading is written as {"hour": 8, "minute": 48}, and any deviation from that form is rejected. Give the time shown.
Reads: {"hour": 9, "minute": 34}
